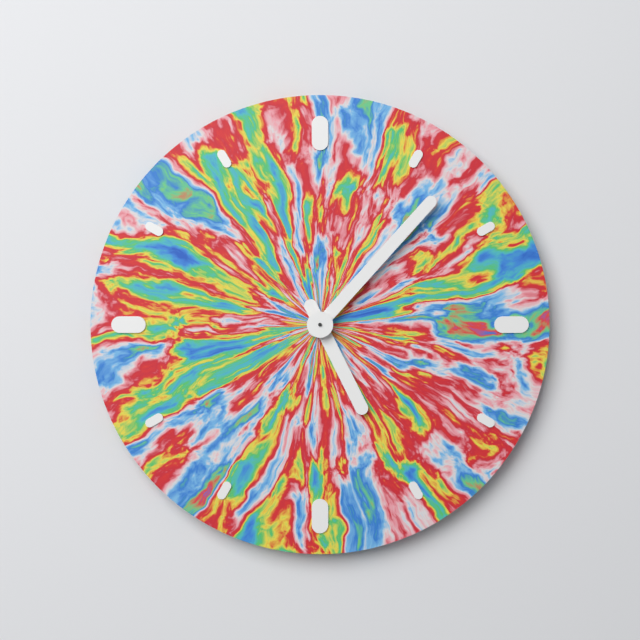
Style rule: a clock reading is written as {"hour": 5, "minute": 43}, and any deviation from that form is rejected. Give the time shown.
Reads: {"hour": 5, "minute": 7}
